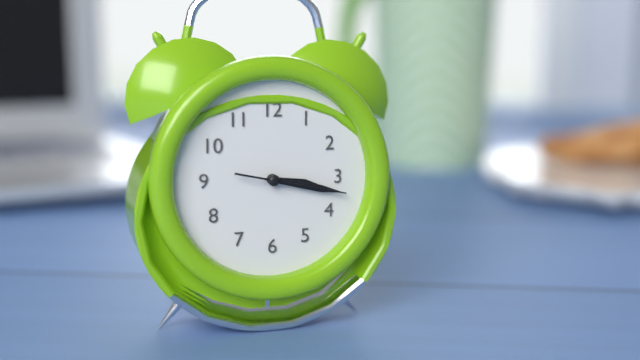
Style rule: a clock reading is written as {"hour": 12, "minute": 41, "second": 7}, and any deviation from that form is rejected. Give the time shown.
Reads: {"hour": 3, "minute": 17, "second": 17}
